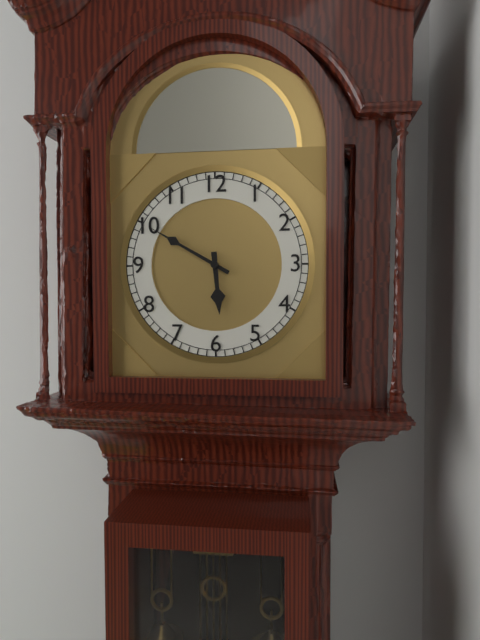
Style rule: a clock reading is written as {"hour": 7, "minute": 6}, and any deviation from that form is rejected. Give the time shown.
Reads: {"hour": 5, "minute": 50}
